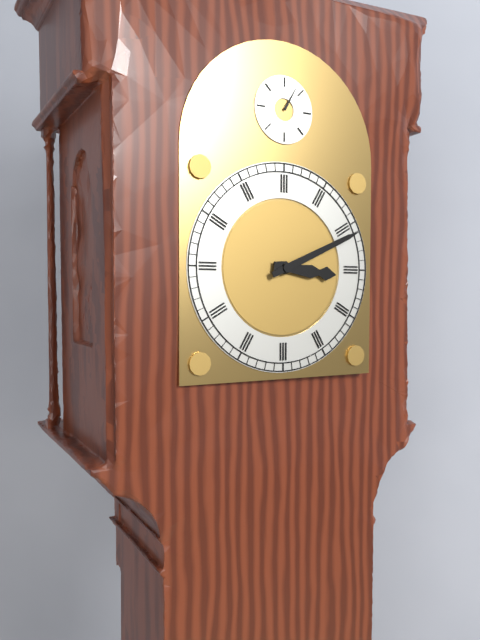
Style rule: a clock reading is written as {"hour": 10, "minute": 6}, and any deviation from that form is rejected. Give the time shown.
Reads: {"hour": 3, "minute": 11}
